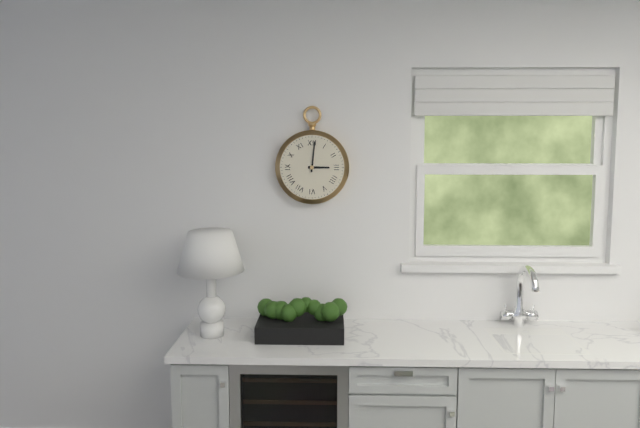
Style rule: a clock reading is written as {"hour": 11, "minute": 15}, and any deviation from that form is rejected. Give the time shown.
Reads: {"hour": 3, "minute": 1}
